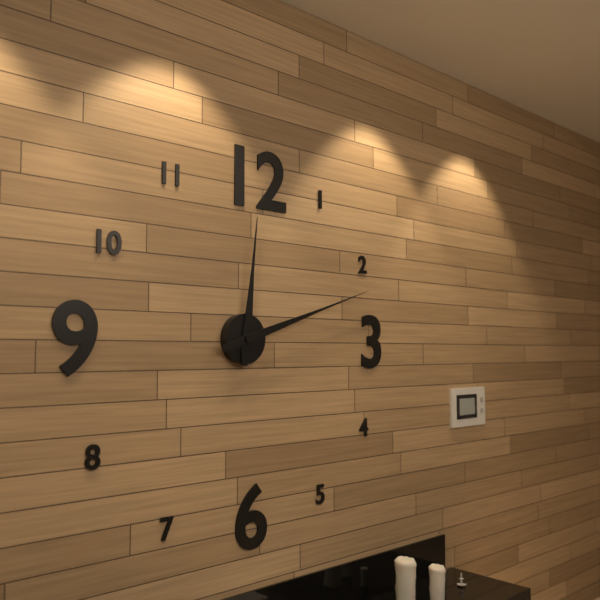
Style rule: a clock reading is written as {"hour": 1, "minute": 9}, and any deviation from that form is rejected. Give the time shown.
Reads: {"hour": 12, "minute": 12}
